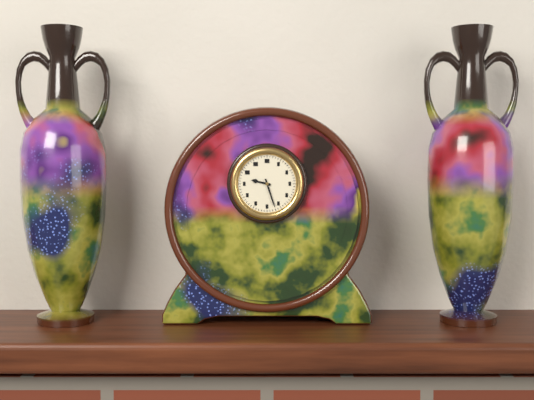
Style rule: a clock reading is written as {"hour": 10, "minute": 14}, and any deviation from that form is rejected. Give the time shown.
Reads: {"hour": 9, "minute": 27}
